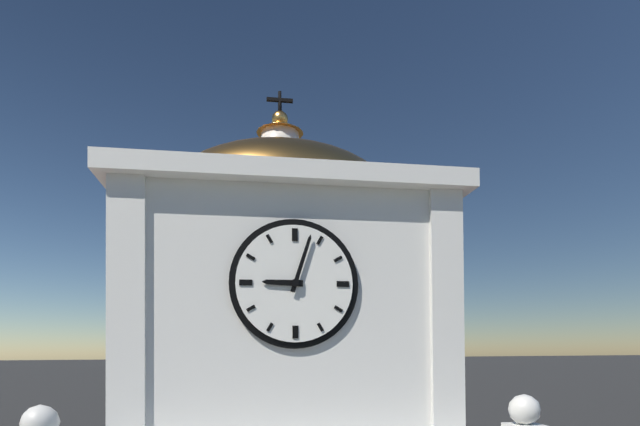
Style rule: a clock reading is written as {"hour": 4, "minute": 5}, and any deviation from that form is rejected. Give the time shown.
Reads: {"hour": 9, "minute": 3}
